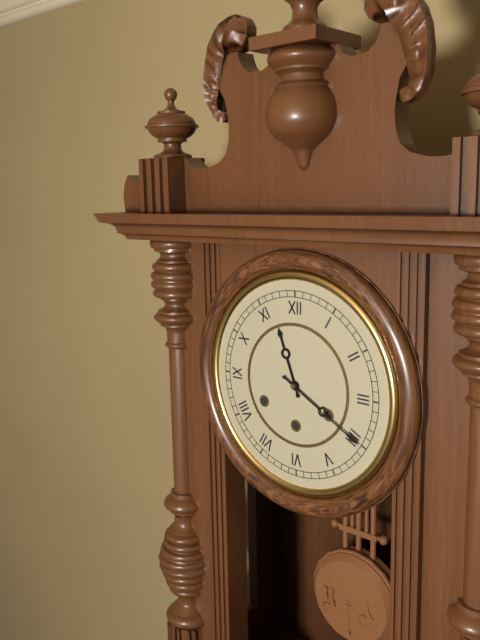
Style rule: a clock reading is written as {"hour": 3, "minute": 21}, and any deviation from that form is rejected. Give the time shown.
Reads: {"hour": 11, "minute": 20}
